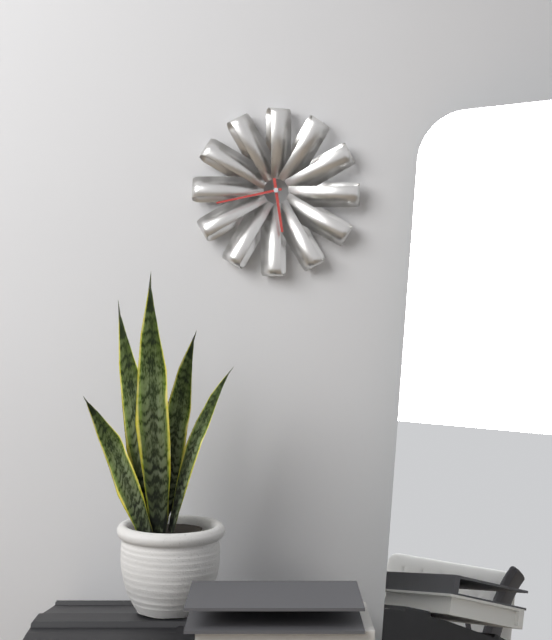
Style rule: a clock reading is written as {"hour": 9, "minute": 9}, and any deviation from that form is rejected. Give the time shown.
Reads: {"hour": 5, "minute": 43}
